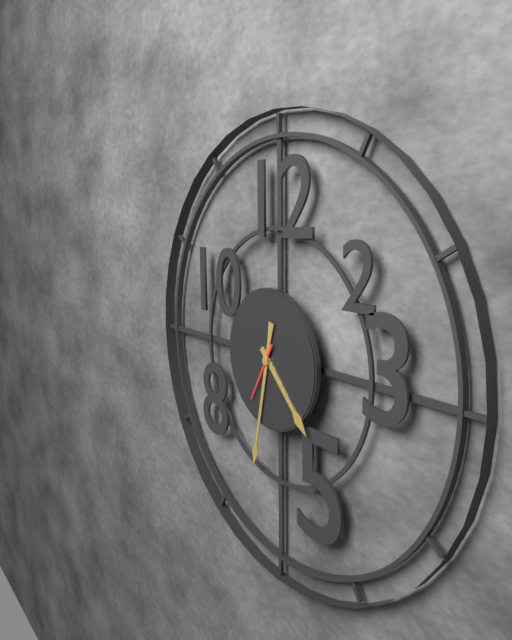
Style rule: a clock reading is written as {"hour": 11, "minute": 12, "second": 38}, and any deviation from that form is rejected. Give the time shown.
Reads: {"hour": 4, "minute": 32, "second": 35}
